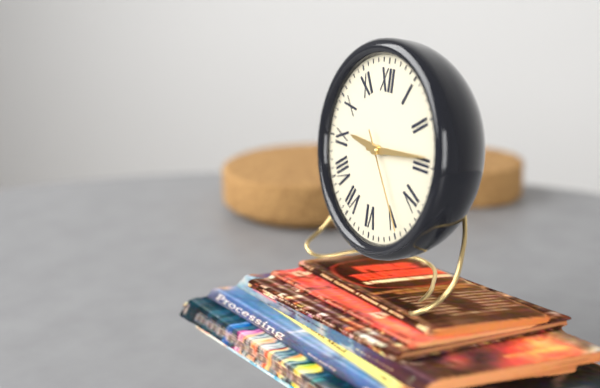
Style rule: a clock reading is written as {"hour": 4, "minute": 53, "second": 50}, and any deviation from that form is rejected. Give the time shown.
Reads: {"hour": 9, "minute": 14, "second": 24}
